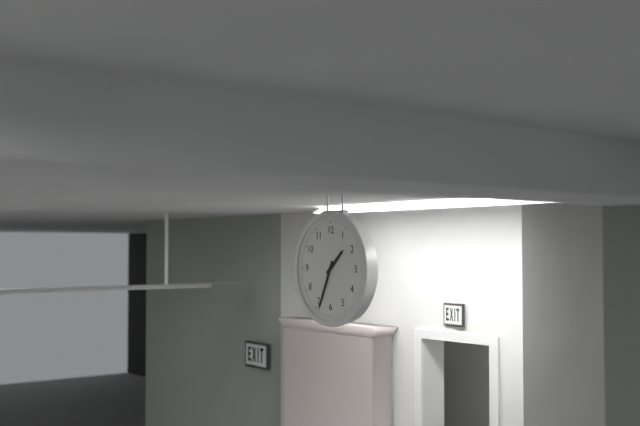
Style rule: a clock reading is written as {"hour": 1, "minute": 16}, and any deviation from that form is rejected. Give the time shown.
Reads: {"hour": 1, "minute": 34}
